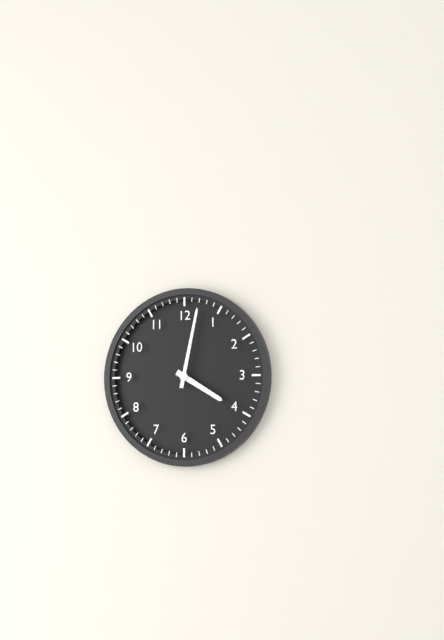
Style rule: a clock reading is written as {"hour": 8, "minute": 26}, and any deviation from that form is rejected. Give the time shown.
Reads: {"hour": 4, "minute": 2}
